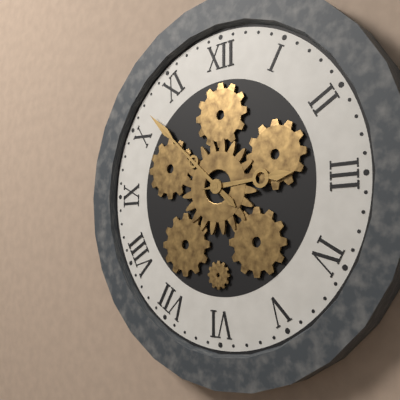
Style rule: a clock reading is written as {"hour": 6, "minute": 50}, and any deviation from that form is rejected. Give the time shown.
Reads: {"hour": 2, "minute": 52}
